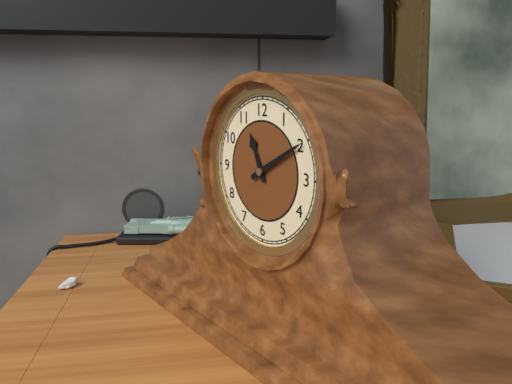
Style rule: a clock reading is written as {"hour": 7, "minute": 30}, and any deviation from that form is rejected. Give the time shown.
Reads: {"hour": 11, "minute": 10}
